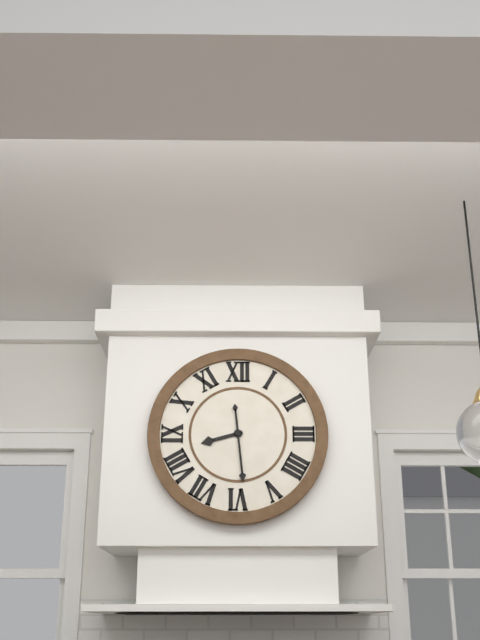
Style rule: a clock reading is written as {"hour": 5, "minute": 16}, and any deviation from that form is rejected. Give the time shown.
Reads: {"hour": 8, "minute": 29}
